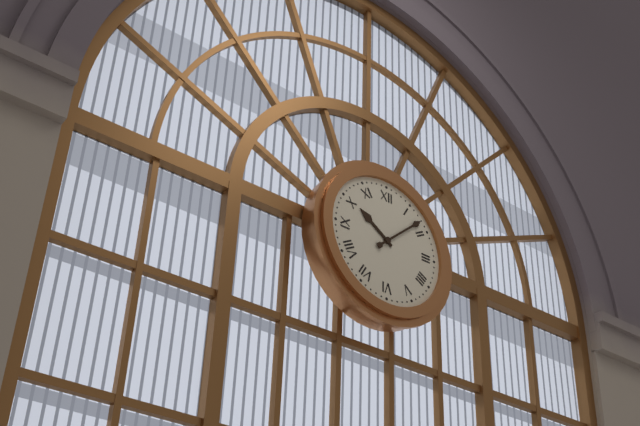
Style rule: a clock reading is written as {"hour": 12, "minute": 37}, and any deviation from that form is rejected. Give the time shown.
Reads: {"hour": 10, "minute": 8}
